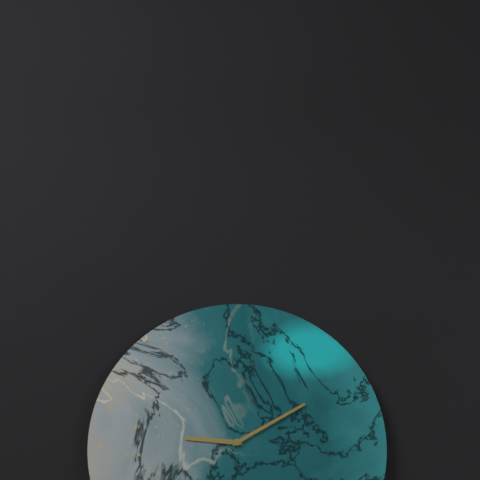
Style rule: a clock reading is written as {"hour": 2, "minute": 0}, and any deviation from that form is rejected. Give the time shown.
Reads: {"hour": 9, "minute": 10}
